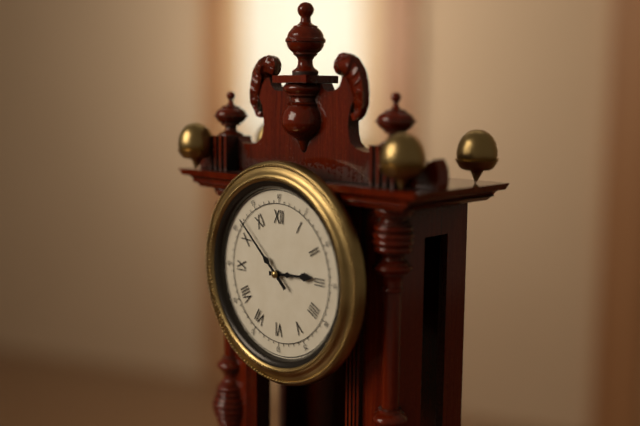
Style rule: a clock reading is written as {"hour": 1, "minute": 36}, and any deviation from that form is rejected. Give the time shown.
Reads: {"hour": 2, "minute": 52}
